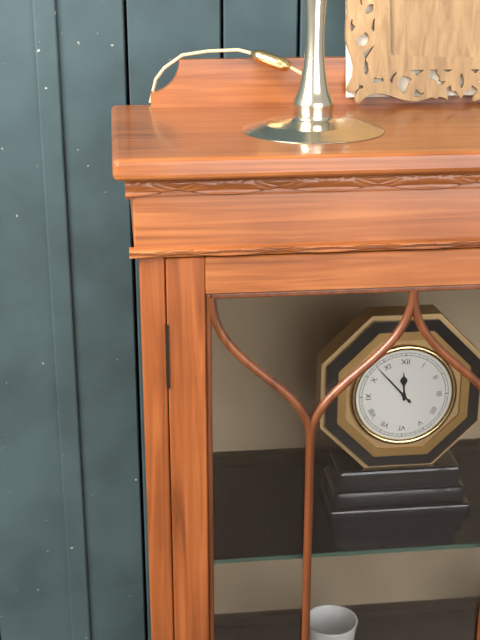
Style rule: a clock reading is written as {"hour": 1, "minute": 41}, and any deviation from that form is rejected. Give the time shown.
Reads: {"hour": 11, "minute": 53}
